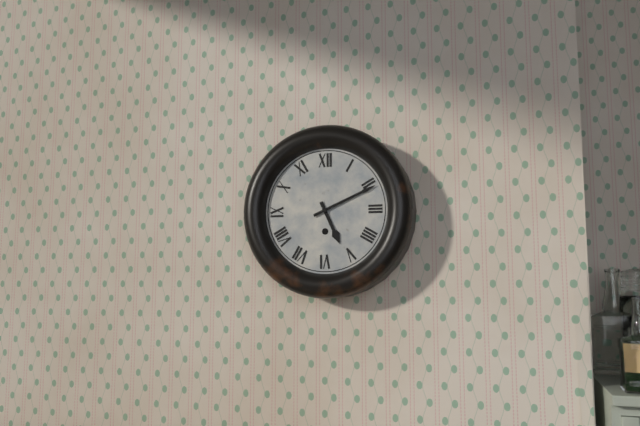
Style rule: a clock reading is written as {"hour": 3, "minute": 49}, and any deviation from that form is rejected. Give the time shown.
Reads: {"hour": 5, "minute": 11}
